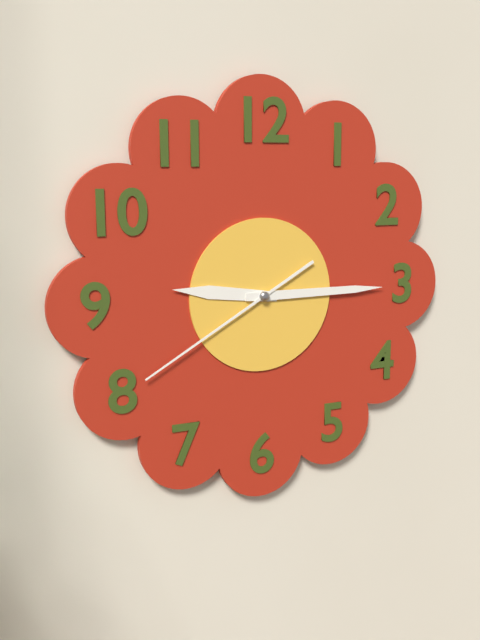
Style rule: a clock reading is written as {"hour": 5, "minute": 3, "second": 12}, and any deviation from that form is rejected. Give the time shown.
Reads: {"hour": 9, "minute": 15, "second": 40}
